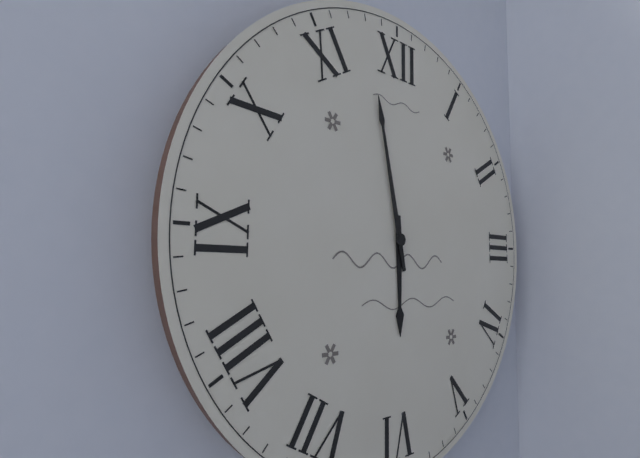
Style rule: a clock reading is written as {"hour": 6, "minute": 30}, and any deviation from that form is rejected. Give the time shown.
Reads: {"hour": 5, "minute": 58}
